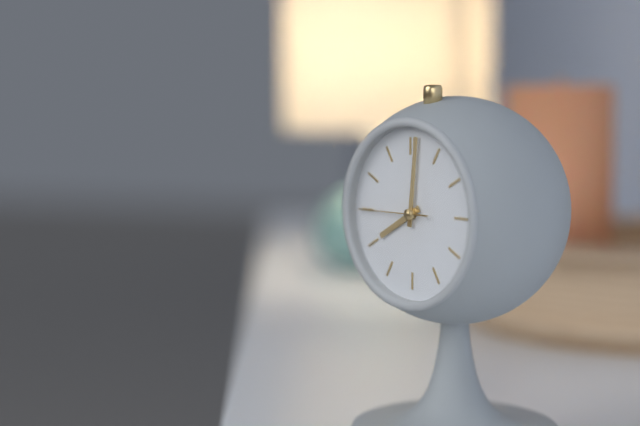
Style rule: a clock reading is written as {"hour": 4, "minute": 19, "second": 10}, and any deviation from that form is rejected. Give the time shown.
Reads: {"hour": 8, "minute": 1, "second": 45}
